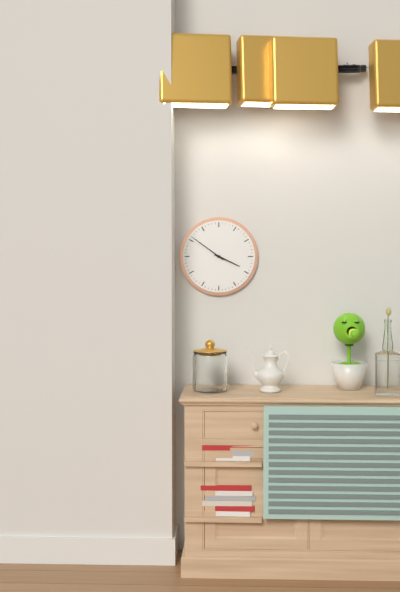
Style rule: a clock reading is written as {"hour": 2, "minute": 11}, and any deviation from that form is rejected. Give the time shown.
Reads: {"hour": 3, "minute": 51}
